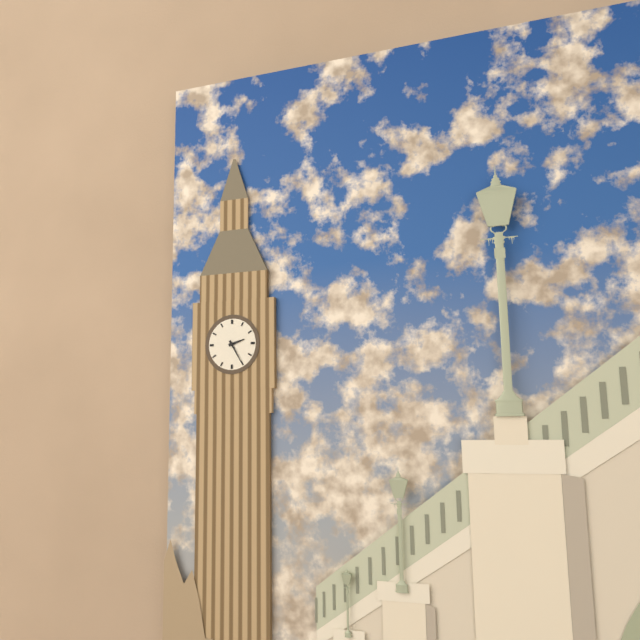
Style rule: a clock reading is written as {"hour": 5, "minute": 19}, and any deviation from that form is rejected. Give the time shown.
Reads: {"hour": 2, "minute": 25}
